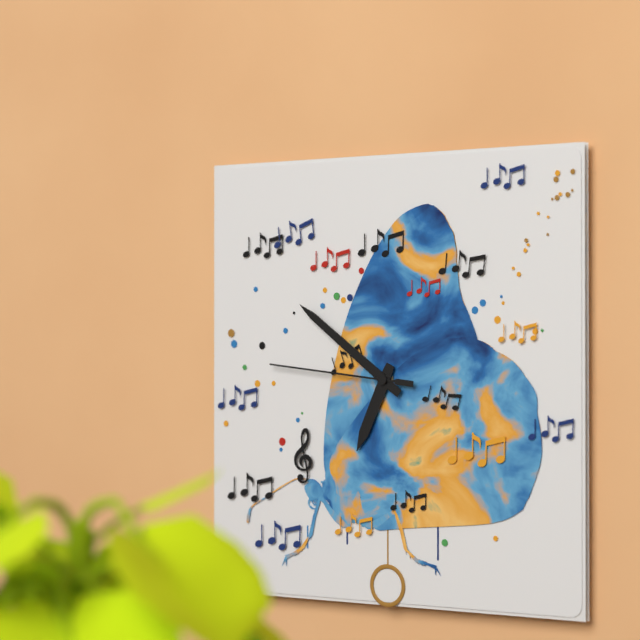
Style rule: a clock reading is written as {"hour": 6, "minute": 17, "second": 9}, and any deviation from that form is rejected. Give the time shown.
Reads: {"hour": 6, "minute": 51, "second": 46}
